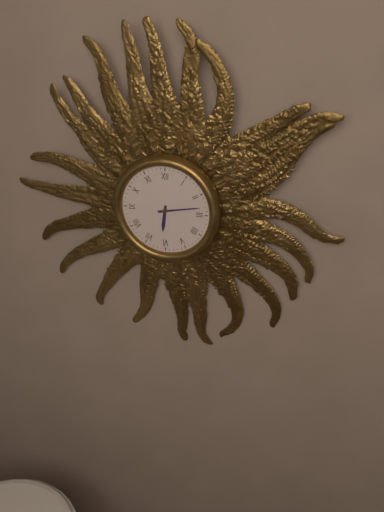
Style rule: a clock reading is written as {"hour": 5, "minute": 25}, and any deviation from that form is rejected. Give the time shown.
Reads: {"hour": 6, "minute": 13}
